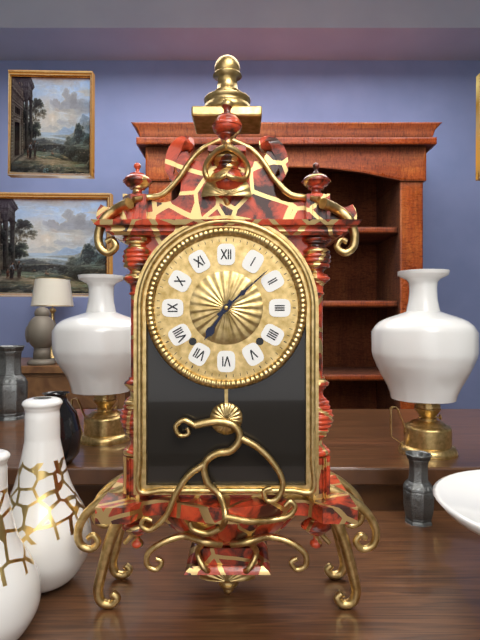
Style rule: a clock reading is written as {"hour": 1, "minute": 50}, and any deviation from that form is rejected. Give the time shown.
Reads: {"hour": 7, "minute": 8}
